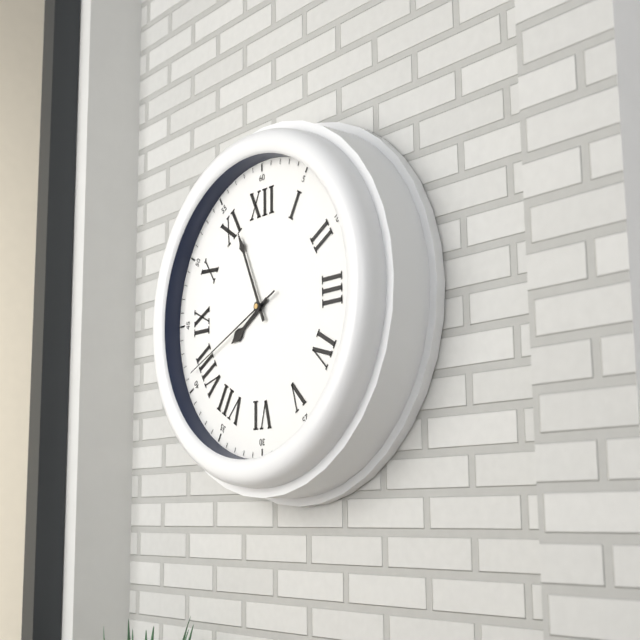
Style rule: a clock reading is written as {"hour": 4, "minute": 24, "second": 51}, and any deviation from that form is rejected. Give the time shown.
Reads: {"hour": 7, "minute": 56, "second": 41}
